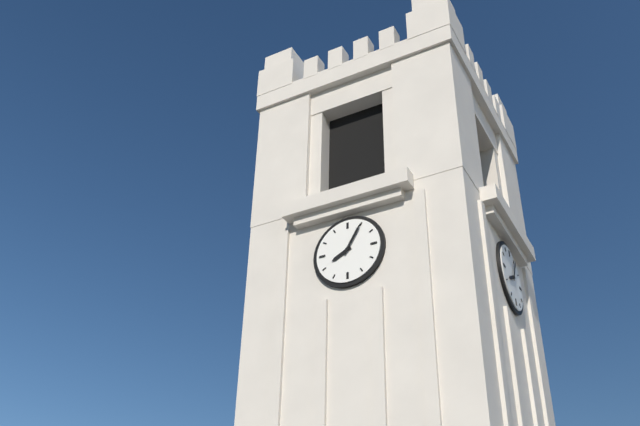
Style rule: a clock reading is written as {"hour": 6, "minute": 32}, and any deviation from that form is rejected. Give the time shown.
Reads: {"hour": 8, "minute": 5}
